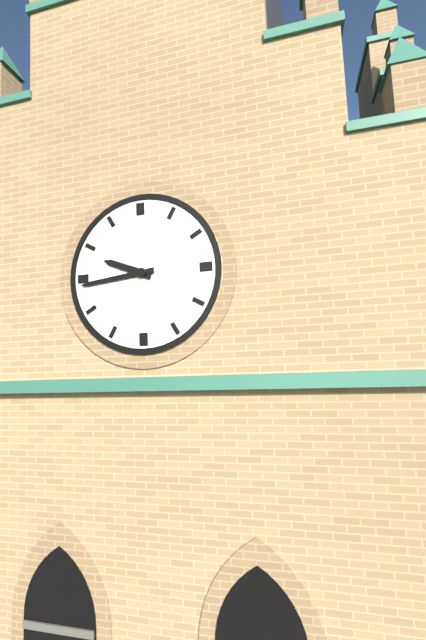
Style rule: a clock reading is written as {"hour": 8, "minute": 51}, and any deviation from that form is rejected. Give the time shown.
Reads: {"hour": 9, "minute": 44}
